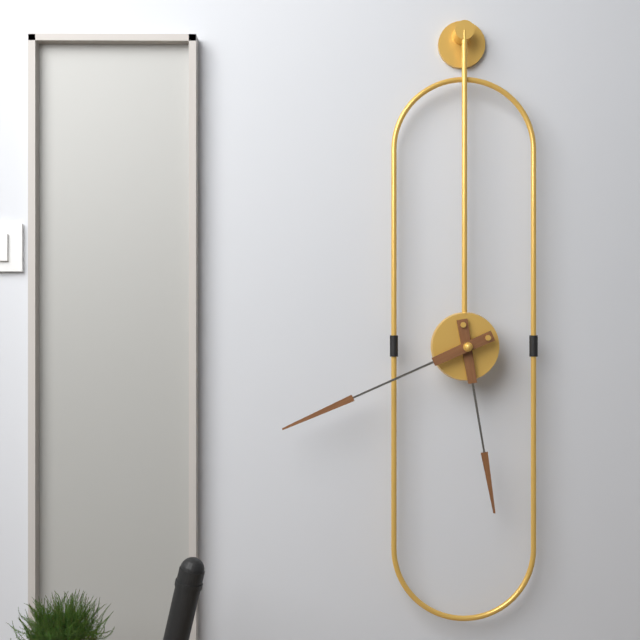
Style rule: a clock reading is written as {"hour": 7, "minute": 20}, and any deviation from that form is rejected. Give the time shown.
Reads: {"hour": 5, "minute": 41}
